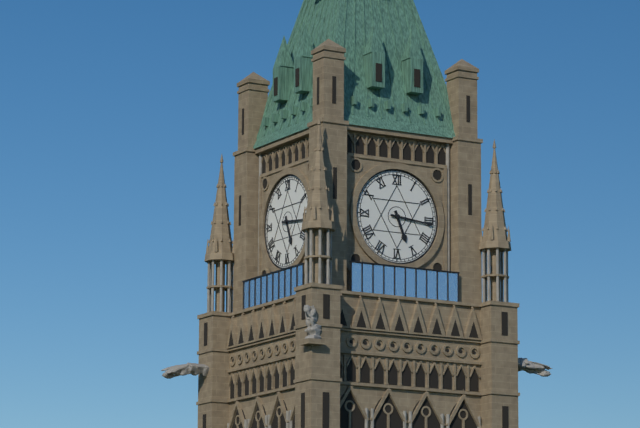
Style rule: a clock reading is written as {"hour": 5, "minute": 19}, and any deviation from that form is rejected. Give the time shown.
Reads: {"hour": 5, "minute": 16}
